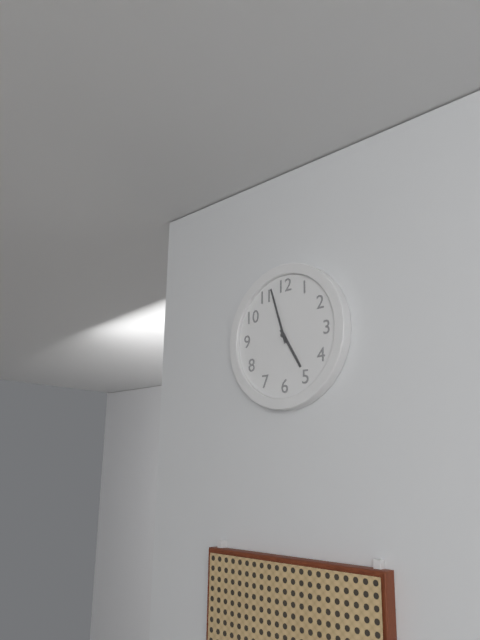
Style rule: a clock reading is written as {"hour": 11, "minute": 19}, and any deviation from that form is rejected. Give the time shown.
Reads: {"hour": 4, "minute": 57}
